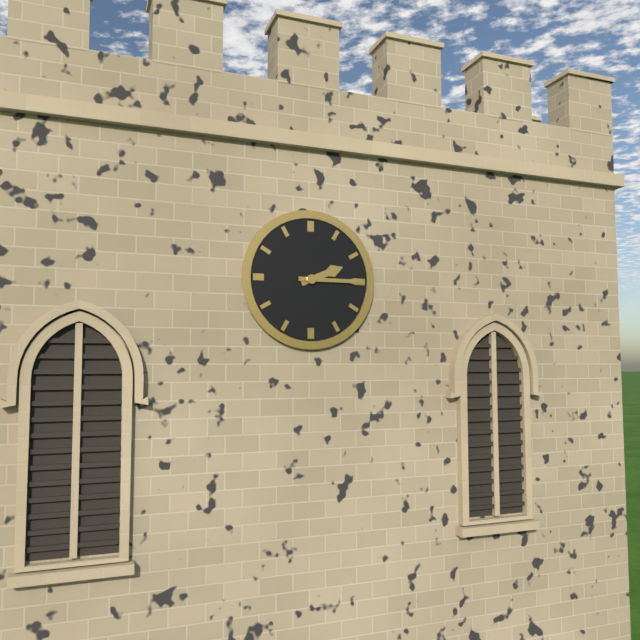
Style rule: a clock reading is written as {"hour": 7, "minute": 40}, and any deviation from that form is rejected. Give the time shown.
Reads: {"hour": 2, "minute": 15}
